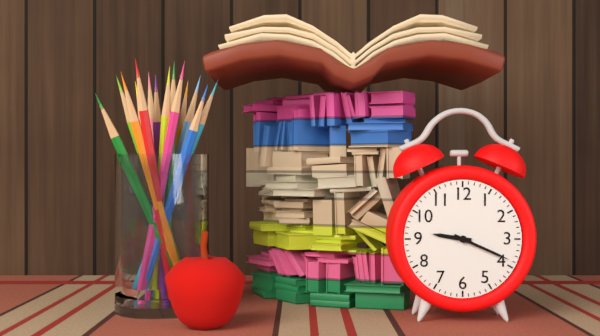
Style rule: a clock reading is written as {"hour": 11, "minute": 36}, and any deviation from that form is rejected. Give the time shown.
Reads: {"hour": 9, "minute": 19}
